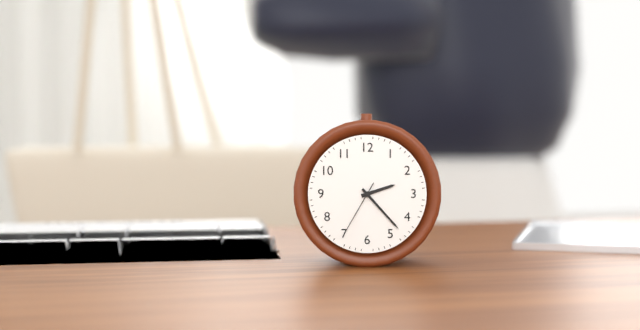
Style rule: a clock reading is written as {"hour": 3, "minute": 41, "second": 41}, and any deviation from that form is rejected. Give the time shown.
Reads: {"hour": 2, "minute": 23, "second": 35}
